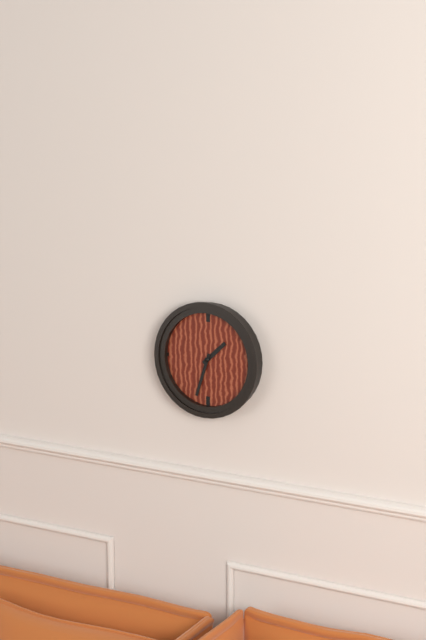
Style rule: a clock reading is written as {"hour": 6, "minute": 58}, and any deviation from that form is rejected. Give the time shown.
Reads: {"hour": 1, "minute": 33}
